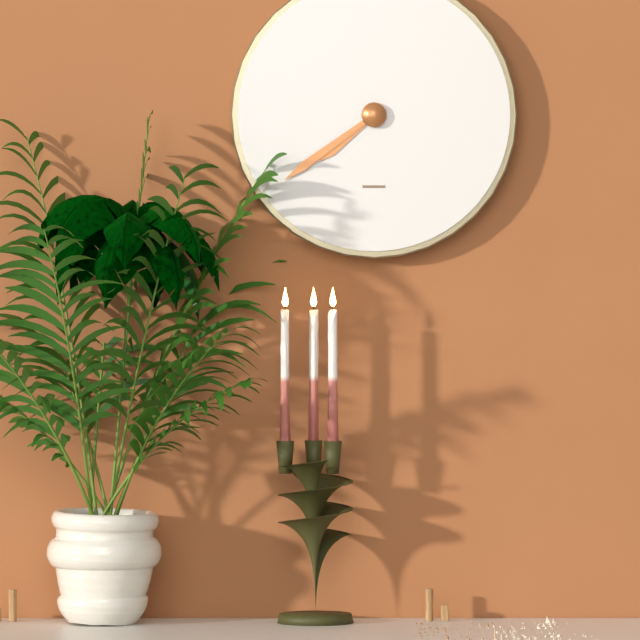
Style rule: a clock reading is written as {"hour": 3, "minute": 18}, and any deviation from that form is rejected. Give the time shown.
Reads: {"hour": 7, "minute": 39}
